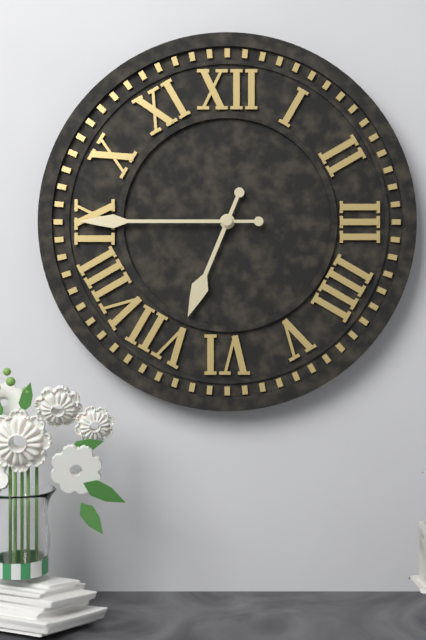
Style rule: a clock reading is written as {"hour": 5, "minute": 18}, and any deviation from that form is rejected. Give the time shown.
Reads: {"hour": 6, "minute": 45}
